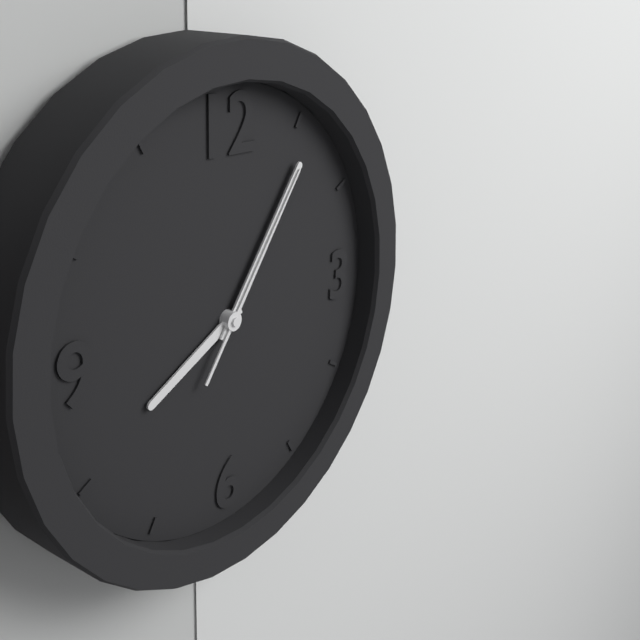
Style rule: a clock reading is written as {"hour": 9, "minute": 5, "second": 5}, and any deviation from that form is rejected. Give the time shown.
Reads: {"hour": 8, "minute": 6, "second": 6}
